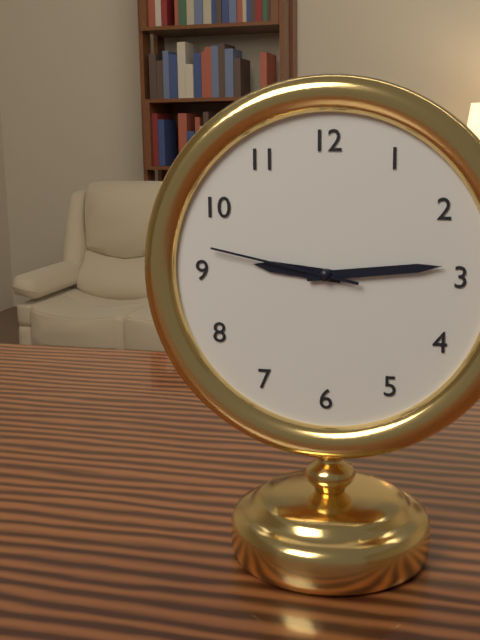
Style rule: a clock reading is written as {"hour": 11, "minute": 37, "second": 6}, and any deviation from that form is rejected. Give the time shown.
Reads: {"hour": 9, "minute": 14, "second": 47}
